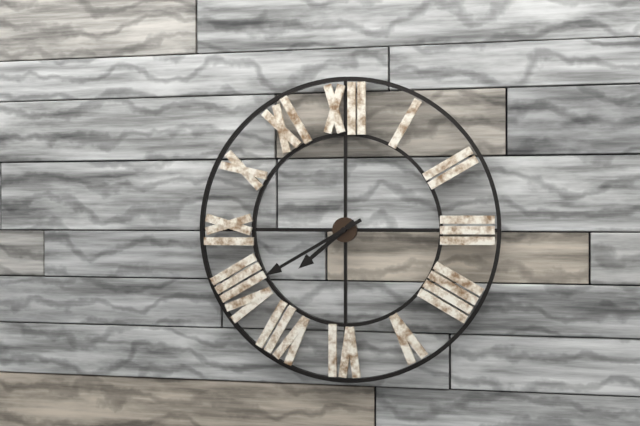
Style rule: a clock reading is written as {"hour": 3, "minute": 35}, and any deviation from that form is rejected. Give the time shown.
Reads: {"hour": 7, "minute": 40}
